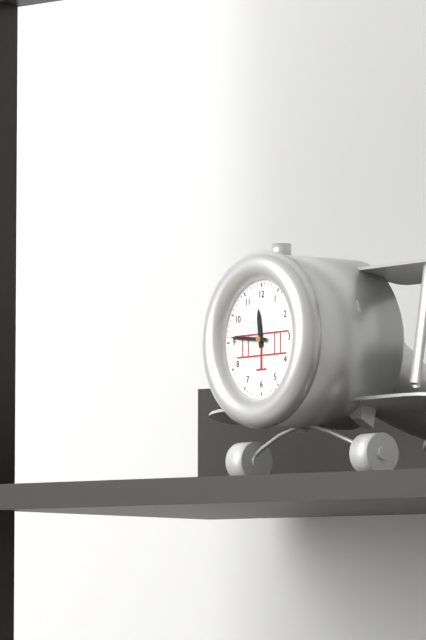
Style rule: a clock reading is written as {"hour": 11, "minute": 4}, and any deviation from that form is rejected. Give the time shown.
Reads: {"hour": 11, "minute": 46}
